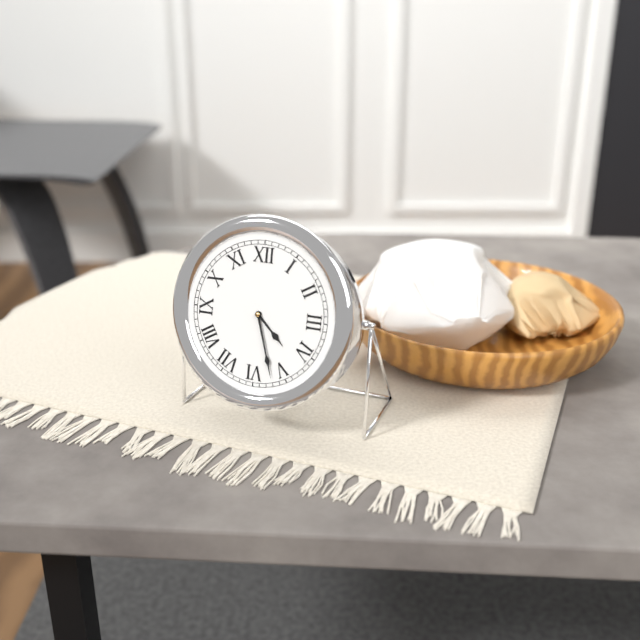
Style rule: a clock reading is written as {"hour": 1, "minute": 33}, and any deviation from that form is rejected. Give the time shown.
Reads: {"hour": 4, "minute": 27}
